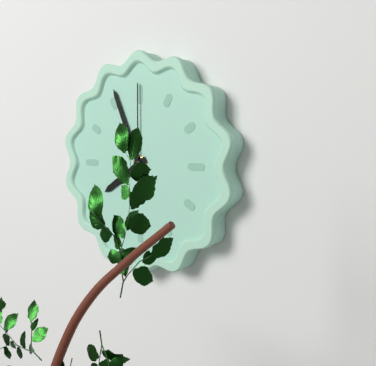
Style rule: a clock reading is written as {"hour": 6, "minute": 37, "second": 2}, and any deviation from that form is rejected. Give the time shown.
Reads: {"hour": 7, "minute": 56, "second": 0}
